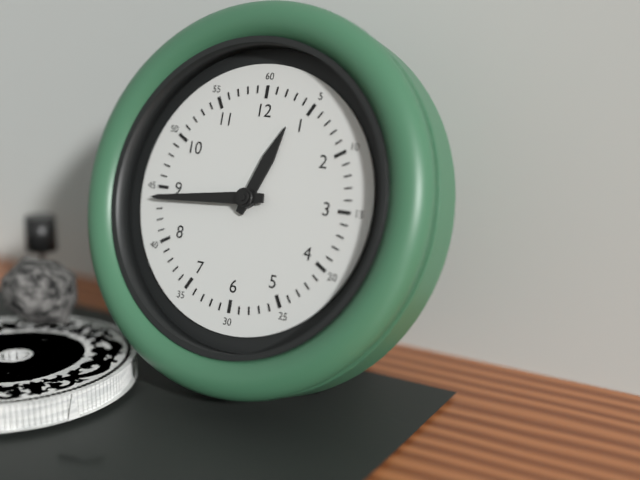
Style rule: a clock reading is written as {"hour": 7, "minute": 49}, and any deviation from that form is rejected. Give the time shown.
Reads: {"hour": 12, "minute": 44}
